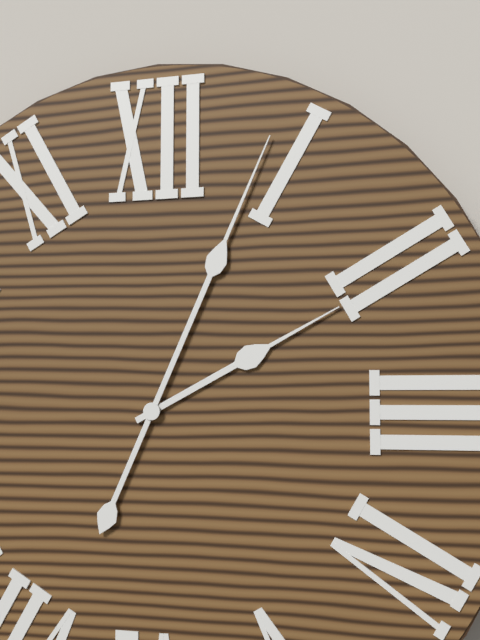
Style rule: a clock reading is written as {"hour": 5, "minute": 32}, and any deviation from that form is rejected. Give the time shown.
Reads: {"hour": 2, "minute": 4}
